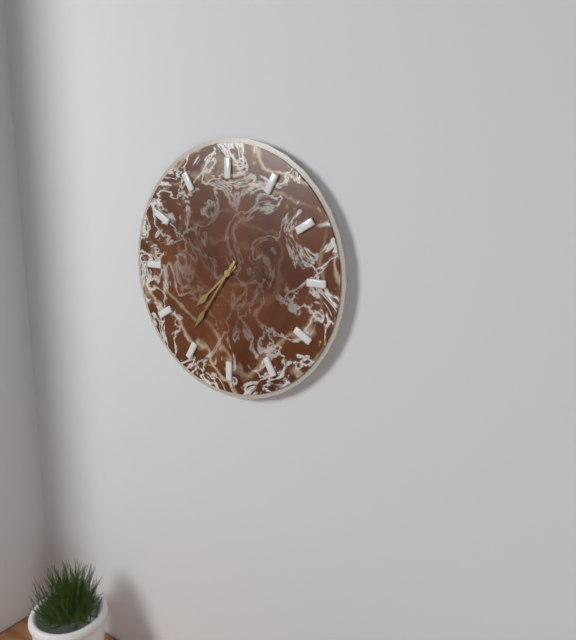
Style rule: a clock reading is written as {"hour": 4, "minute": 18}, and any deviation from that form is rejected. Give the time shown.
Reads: {"hour": 7, "minute": 36}
